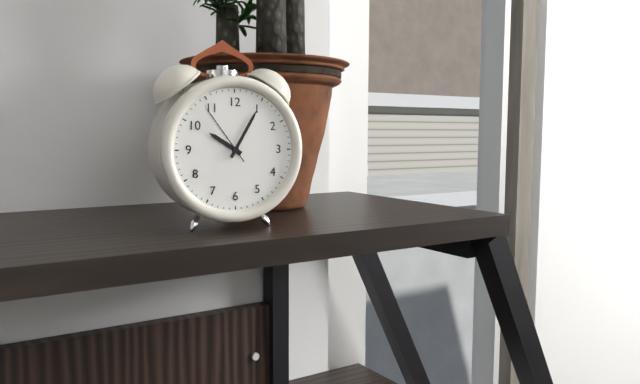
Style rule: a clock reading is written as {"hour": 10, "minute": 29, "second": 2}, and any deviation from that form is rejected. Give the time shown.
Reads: {"hour": 10, "minute": 5, "second": 54}
